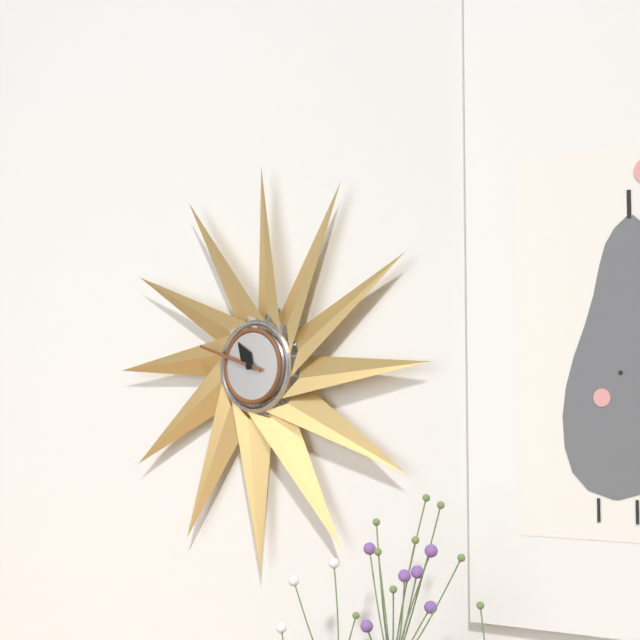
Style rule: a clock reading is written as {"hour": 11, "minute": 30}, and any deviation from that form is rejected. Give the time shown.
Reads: {"hour": 10, "minute": 48}
